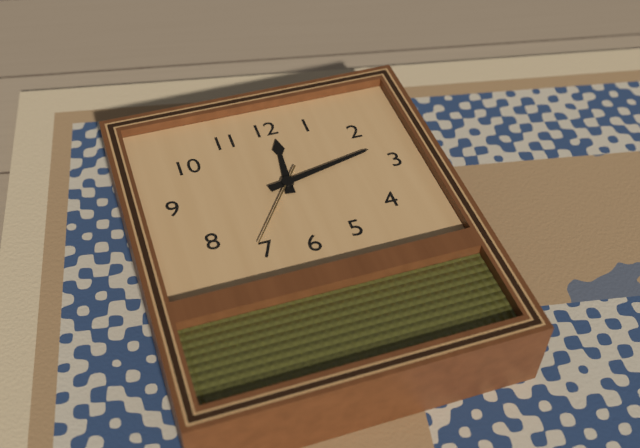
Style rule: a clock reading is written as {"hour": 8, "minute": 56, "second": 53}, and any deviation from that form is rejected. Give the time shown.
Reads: {"hour": 12, "minute": 13, "second": 36}
